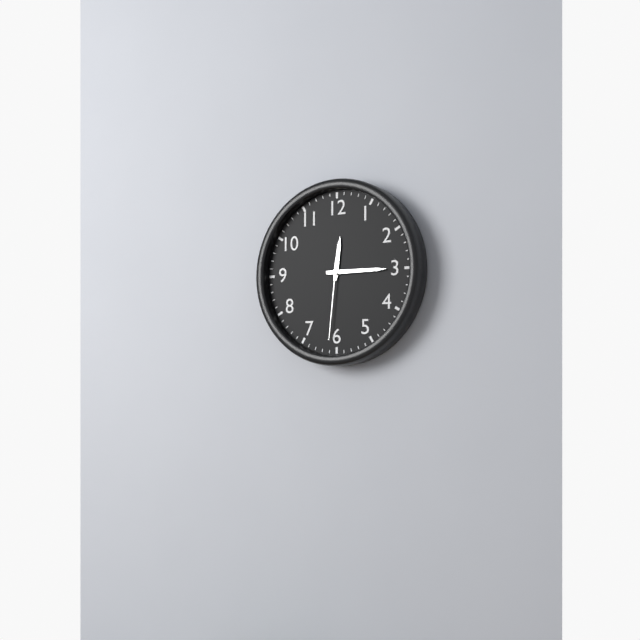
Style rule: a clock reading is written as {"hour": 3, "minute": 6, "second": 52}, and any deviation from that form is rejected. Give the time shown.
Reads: {"hour": 12, "minute": 15, "second": 31}
